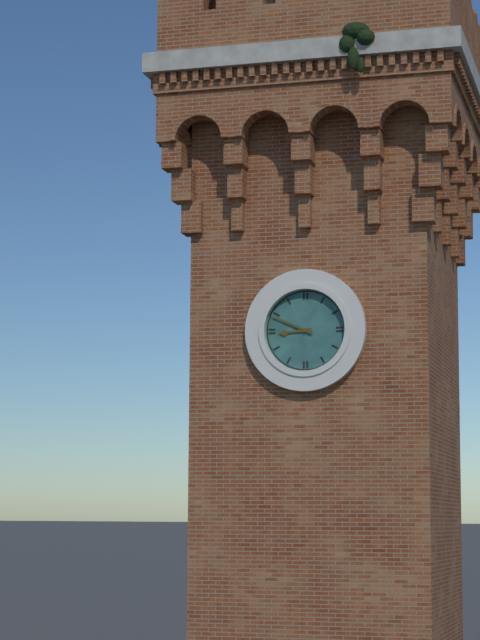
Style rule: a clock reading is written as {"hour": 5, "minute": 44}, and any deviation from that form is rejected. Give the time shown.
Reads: {"hour": 8, "minute": 49}
